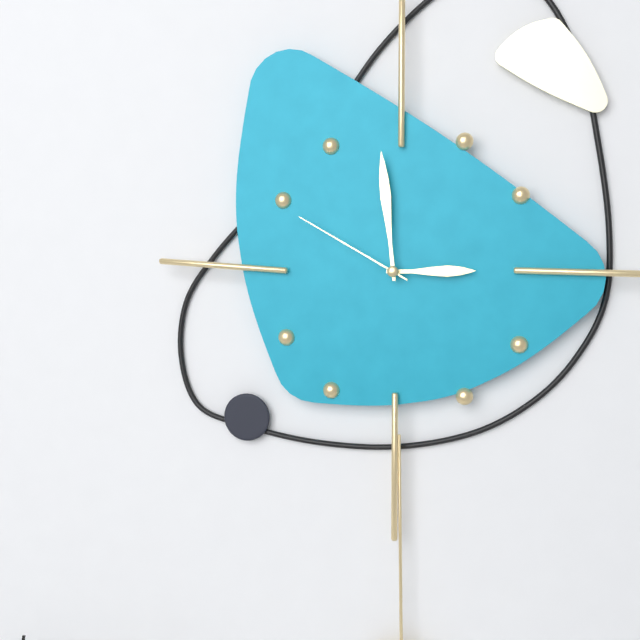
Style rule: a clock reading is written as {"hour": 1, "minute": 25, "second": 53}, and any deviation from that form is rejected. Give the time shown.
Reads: {"hour": 2, "minute": 59, "second": 50}
